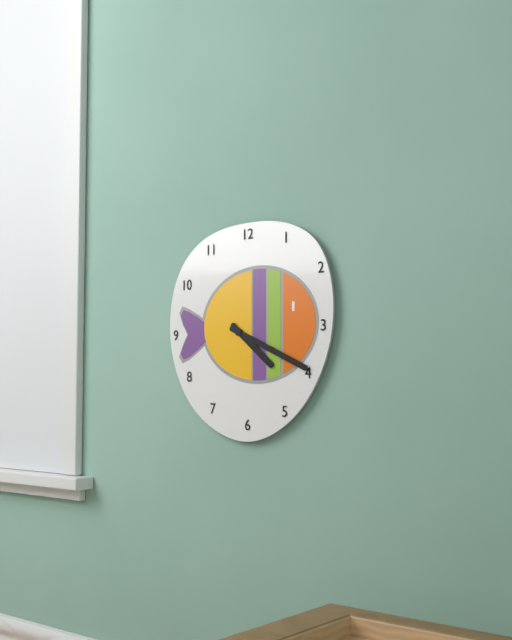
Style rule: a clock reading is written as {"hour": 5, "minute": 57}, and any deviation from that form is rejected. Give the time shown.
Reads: {"hour": 4, "minute": 19}
